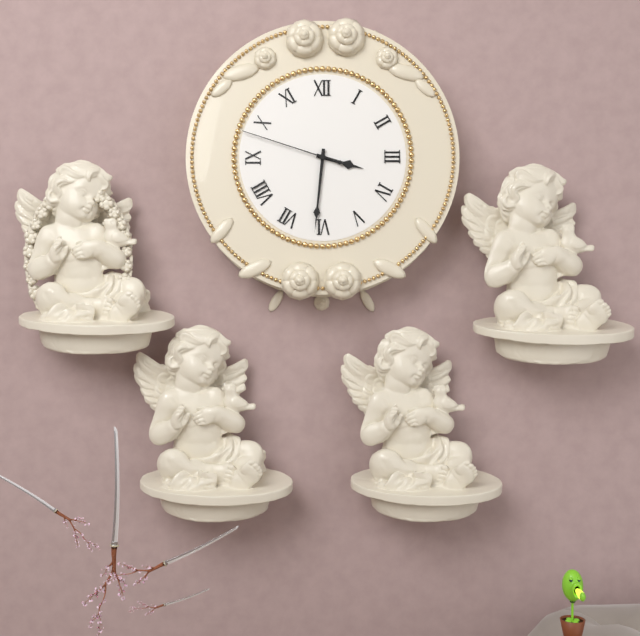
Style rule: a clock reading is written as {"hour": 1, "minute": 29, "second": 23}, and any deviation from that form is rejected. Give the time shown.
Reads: {"hour": 3, "minute": 31, "second": 48}
